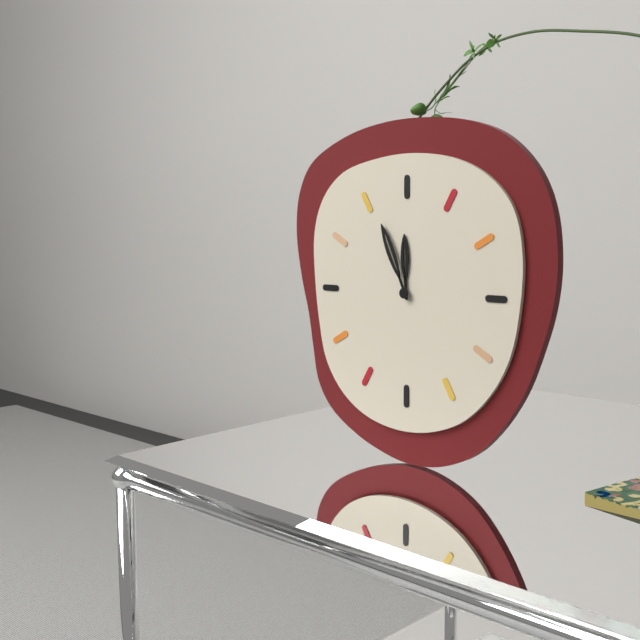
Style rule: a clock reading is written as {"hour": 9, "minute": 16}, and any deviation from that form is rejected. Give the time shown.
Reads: {"hour": 11, "minute": 56}
